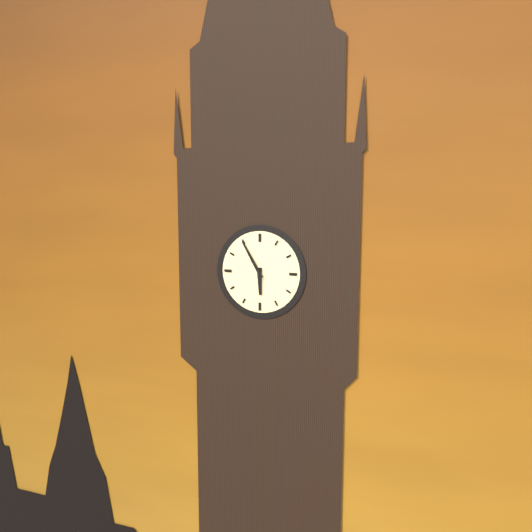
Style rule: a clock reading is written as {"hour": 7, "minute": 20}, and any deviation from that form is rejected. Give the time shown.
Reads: {"hour": 5, "minute": 55}
